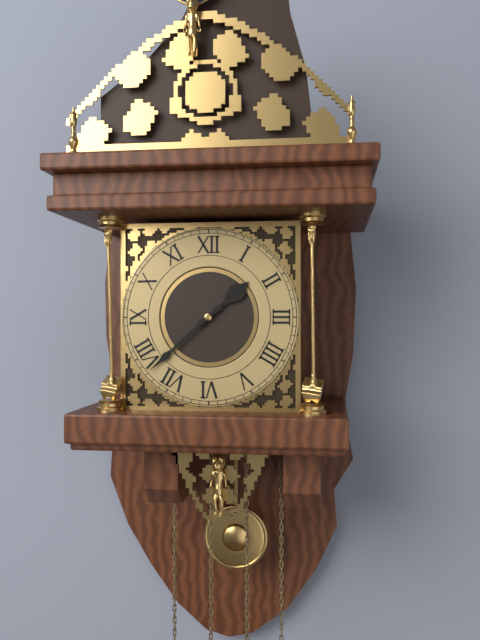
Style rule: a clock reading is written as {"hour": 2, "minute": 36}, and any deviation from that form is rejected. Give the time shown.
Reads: {"hour": 1, "minute": 38}
